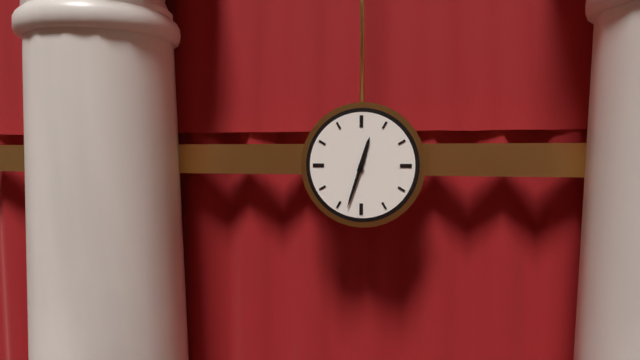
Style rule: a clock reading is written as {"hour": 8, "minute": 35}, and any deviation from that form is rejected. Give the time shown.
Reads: {"hour": 12, "minute": 33}
